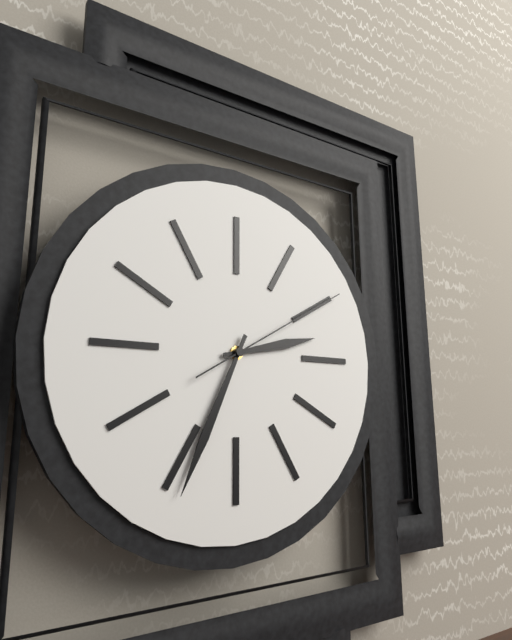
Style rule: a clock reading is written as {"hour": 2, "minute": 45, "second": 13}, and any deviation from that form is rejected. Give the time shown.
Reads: {"hour": 2, "minute": 34, "second": 10}
